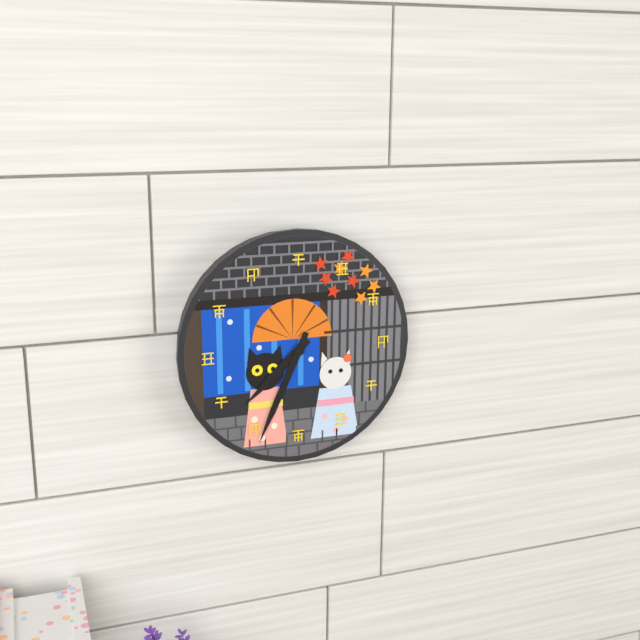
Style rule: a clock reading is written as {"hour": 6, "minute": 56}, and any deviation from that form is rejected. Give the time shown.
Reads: {"hour": 7, "minute": 34}
